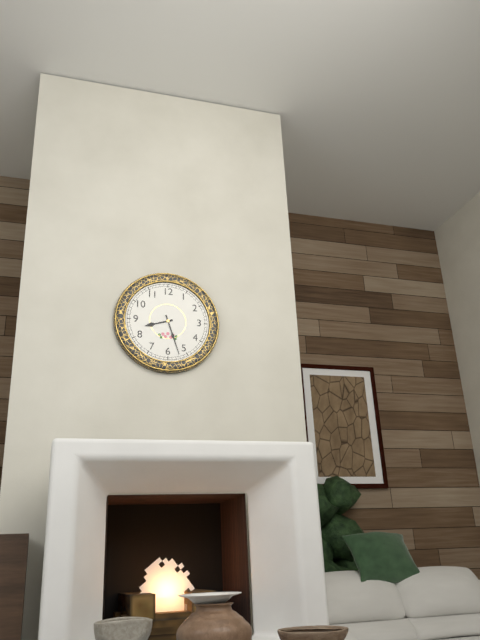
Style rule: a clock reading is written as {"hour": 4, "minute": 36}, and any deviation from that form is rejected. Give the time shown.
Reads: {"hour": 8, "minute": 27}
